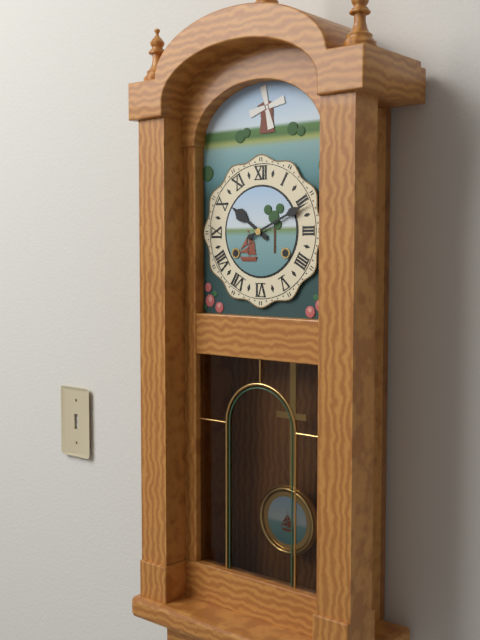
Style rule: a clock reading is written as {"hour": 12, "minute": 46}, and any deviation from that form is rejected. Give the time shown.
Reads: {"hour": 10, "minute": 11}
